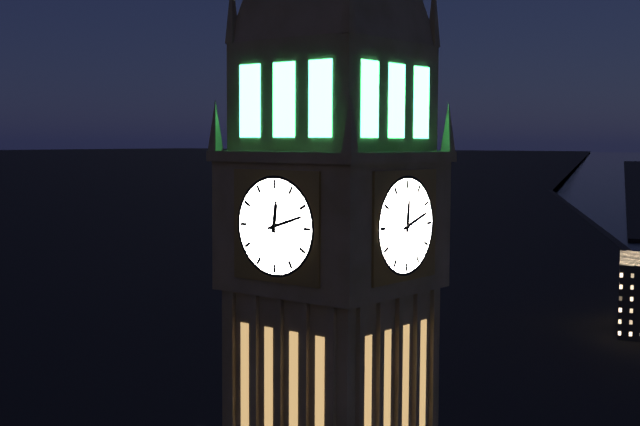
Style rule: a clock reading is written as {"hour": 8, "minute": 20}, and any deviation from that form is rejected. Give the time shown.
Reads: {"hour": 12, "minute": 12}
